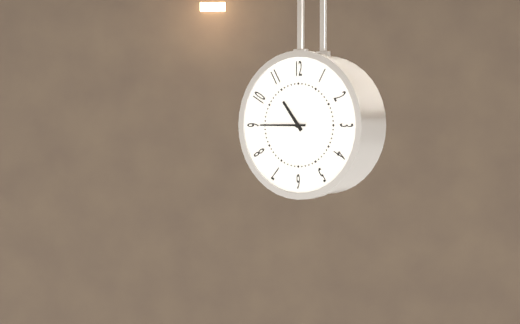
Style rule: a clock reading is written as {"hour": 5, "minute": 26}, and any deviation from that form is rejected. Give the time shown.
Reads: {"hour": 10, "minute": 45}
